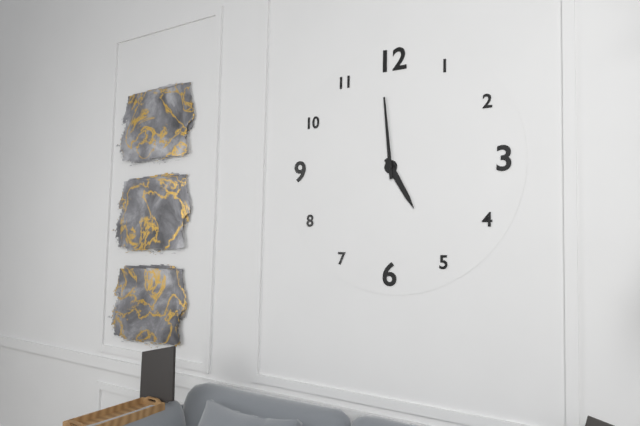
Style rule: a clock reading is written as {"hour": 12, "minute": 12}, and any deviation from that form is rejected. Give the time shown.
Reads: {"hour": 4, "minute": 59}
